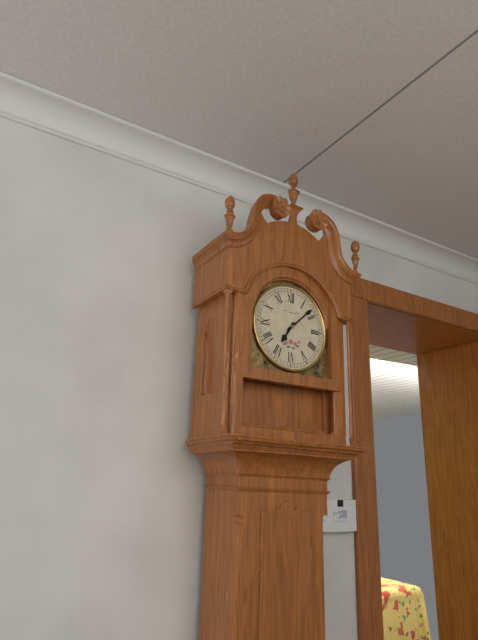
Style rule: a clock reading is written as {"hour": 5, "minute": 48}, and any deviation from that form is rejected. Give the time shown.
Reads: {"hour": 7, "minute": 8}
